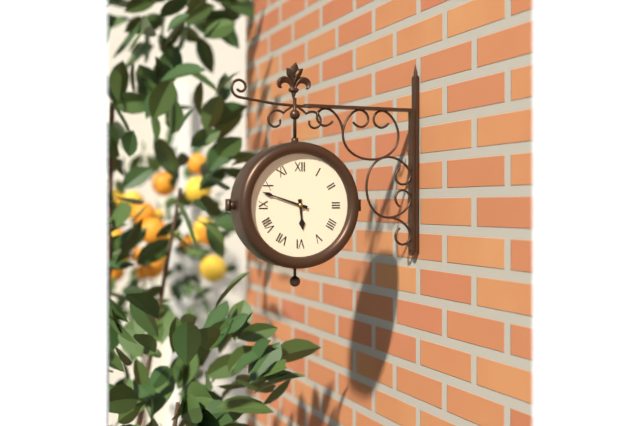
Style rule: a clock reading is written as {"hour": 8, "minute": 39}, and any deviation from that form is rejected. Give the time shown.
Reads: {"hour": 5, "minute": 48}
